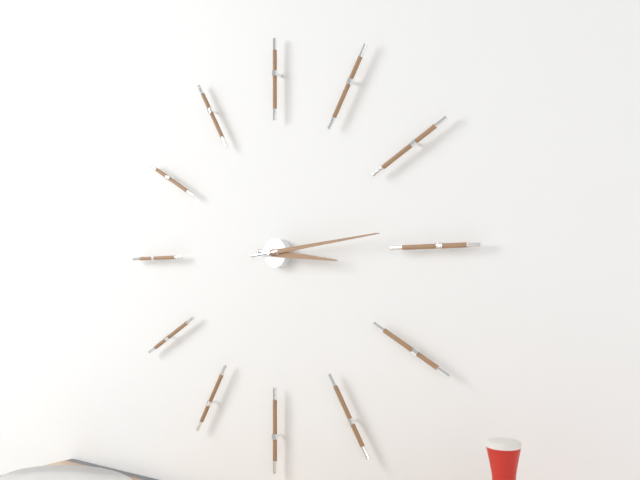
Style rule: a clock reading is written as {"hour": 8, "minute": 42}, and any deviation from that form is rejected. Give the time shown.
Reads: {"hour": 3, "minute": 14}
